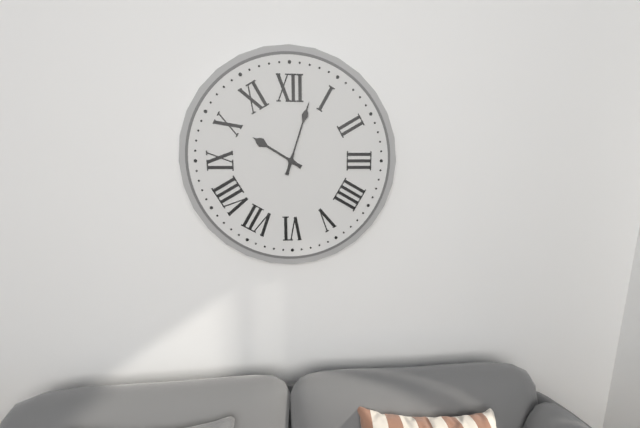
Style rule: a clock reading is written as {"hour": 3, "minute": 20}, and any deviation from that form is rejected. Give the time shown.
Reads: {"hour": 10, "minute": 3}
